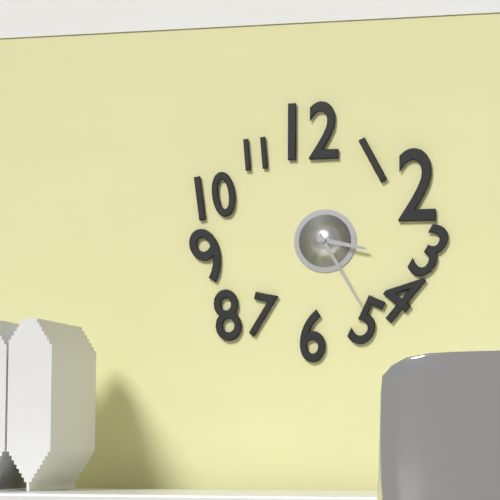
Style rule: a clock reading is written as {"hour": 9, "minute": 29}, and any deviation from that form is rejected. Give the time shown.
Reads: {"hour": 3, "minute": 25}
